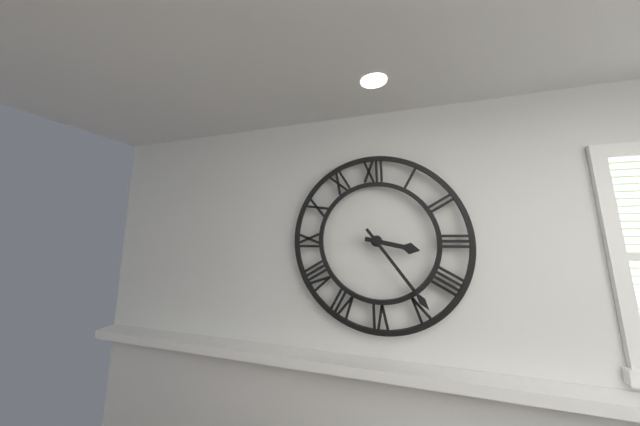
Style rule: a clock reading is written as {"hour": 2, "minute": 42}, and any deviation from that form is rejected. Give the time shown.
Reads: {"hour": 3, "minute": 24}
